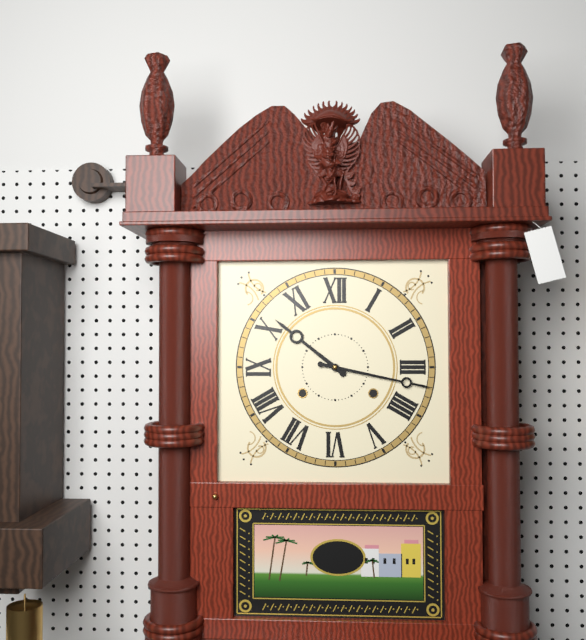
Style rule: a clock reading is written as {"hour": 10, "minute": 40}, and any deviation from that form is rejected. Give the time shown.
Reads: {"hour": 10, "minute": 17}
